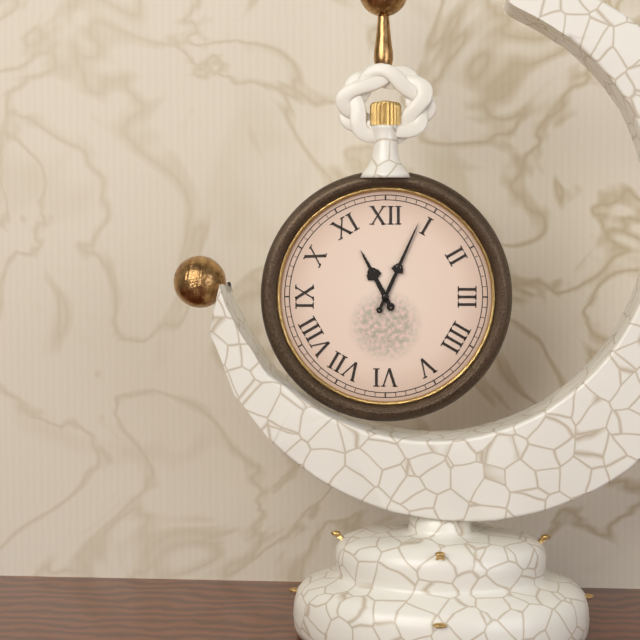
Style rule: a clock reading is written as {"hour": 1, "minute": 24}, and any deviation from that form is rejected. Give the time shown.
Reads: {"hour": 11, "minute": 4}
